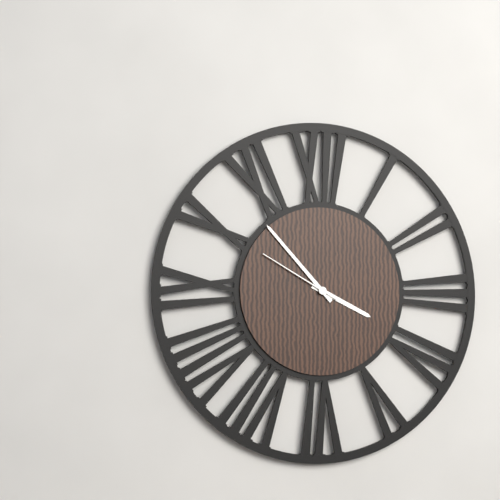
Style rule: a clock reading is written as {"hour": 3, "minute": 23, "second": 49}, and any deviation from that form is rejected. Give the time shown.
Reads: {"hour": 3, "minute": 53, "second": 50}
